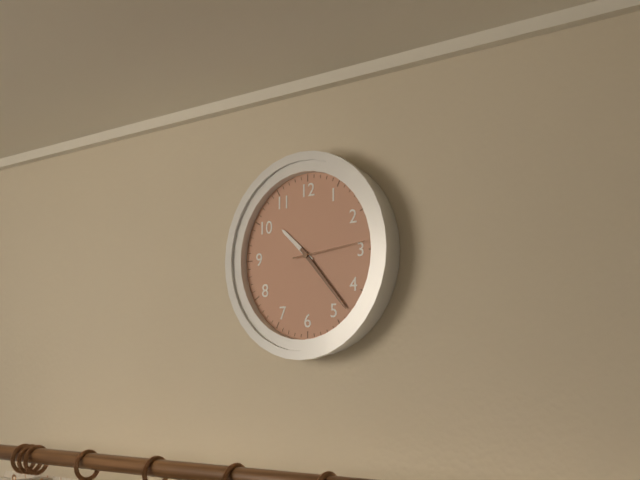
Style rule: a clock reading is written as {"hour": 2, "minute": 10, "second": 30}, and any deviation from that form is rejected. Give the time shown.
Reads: {"hour": 10, "minute": 23, "second": 14}
